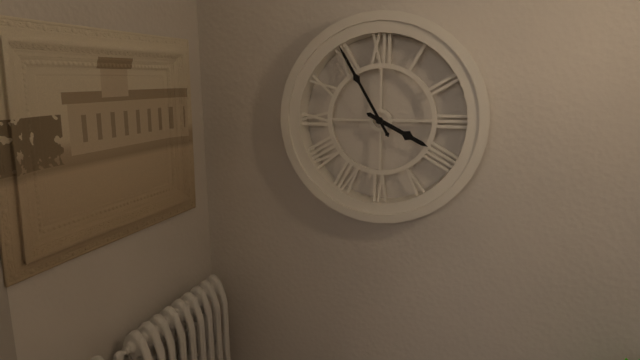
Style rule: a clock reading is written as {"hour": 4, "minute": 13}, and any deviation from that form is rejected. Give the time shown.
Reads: {"hour": 3, "minute": 55}
